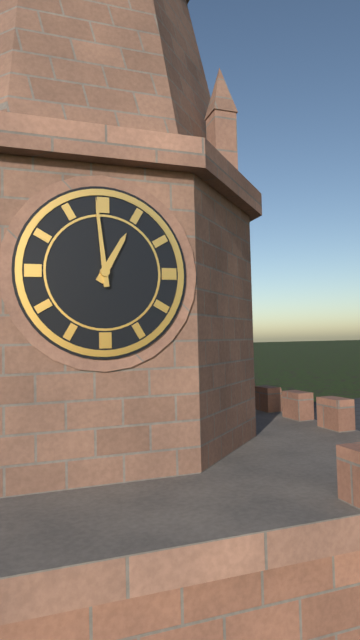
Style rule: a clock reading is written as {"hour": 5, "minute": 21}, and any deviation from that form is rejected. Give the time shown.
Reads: {"hour": 12, "minute": 59}
